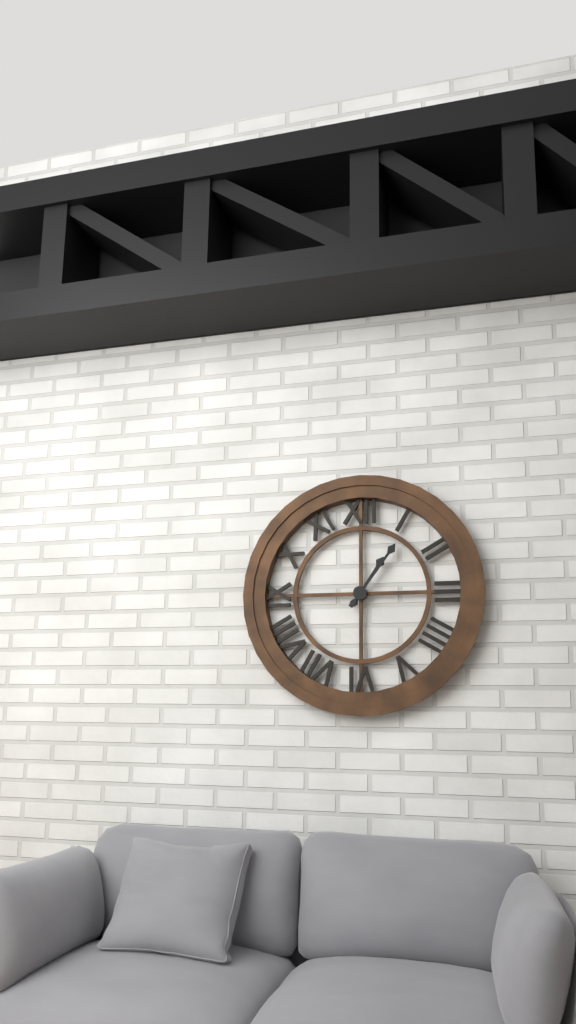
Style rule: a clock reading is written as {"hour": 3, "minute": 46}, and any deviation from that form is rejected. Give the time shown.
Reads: {"hour": 1, "minute": 6}
